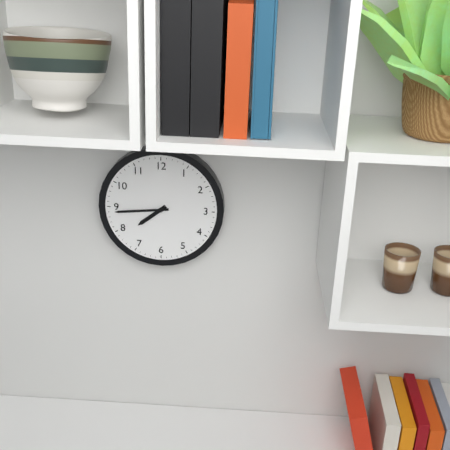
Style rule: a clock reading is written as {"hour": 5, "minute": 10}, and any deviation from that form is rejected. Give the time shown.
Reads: {"hour": 7, "minute": 44}
